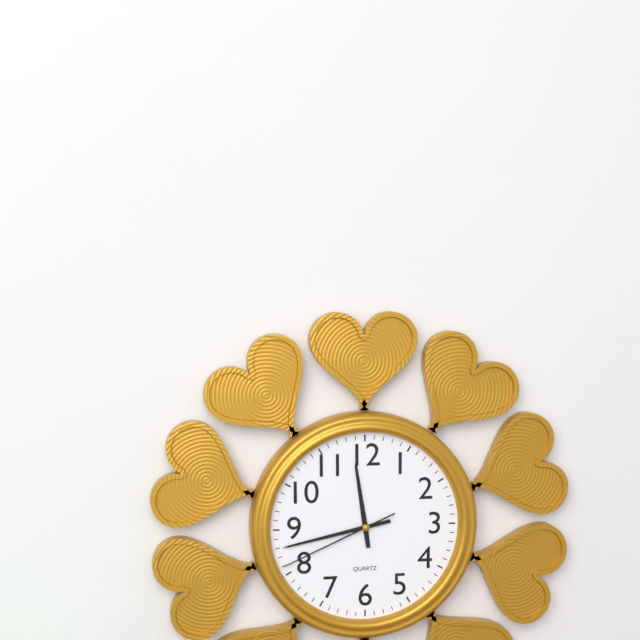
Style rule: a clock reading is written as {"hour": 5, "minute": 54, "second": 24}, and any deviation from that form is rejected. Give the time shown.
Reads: {"hour": 11, "minute": 43, "second": 41}
